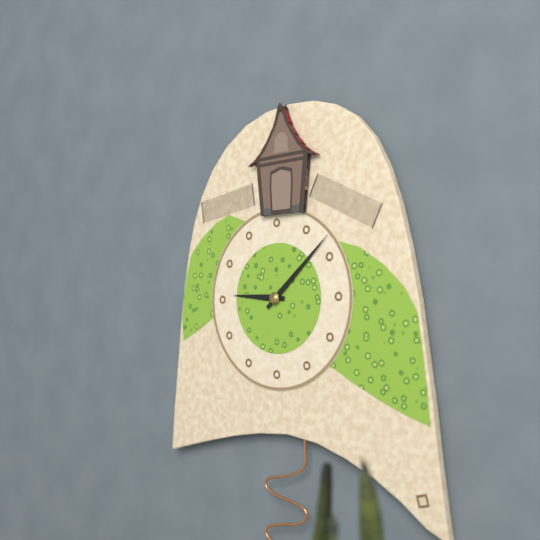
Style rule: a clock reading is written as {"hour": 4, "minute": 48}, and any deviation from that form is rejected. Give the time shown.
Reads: {"hour": 9, "minute": 8}
